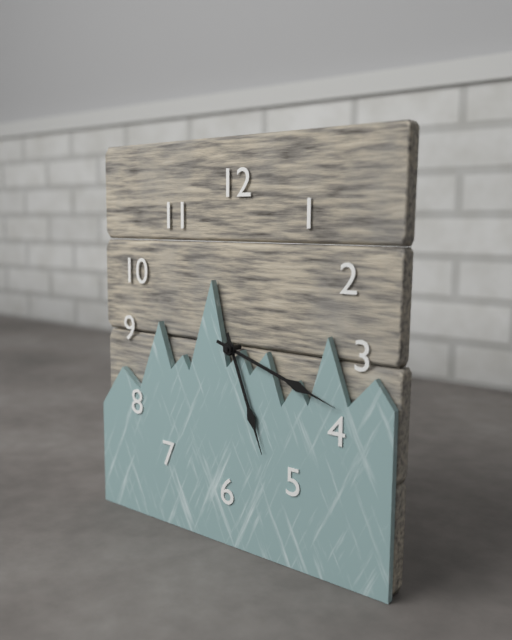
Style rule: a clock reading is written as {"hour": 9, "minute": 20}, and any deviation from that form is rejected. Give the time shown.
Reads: {"hour": 5, "minute": 18}
